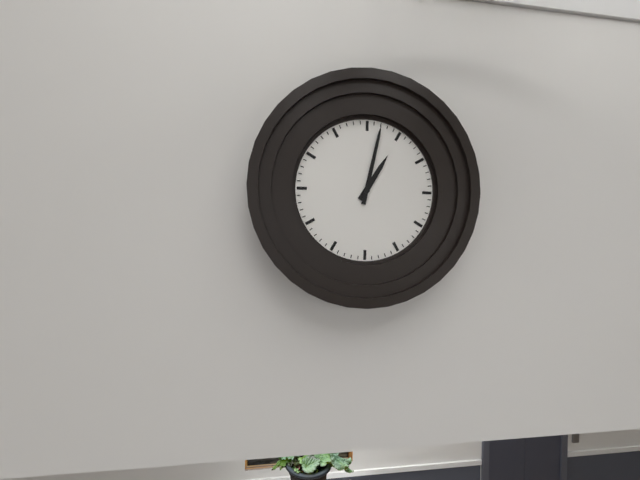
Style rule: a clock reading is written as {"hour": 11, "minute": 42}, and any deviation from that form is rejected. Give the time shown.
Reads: {"hour": 1, "minute": 2}
